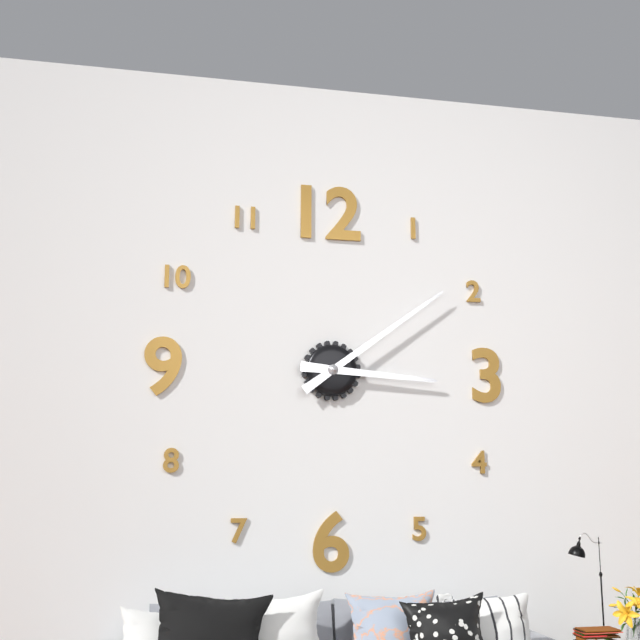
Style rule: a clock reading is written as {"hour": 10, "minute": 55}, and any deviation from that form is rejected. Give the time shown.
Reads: {"hour": 3, "minute": 9}
